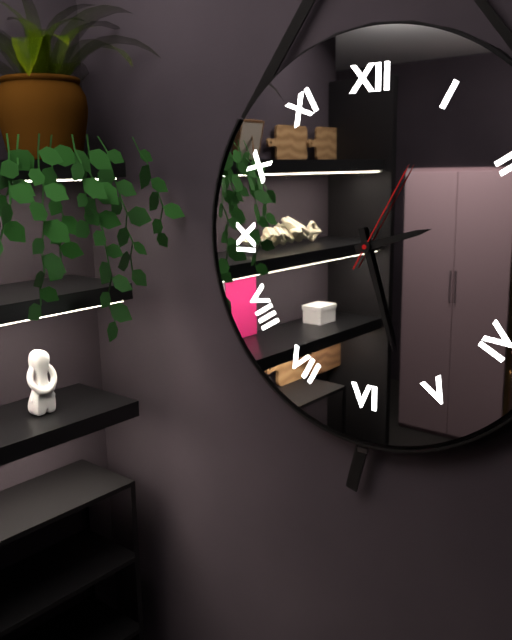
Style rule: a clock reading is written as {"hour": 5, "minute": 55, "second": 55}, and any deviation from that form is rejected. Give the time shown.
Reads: {"hour": 2, "minute": 27, "second": 5}
